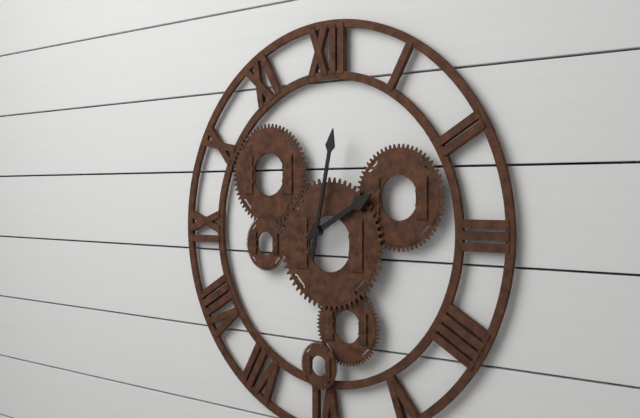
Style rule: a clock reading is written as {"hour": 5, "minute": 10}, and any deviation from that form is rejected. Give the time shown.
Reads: {"hour": 2, "minute": 2}
